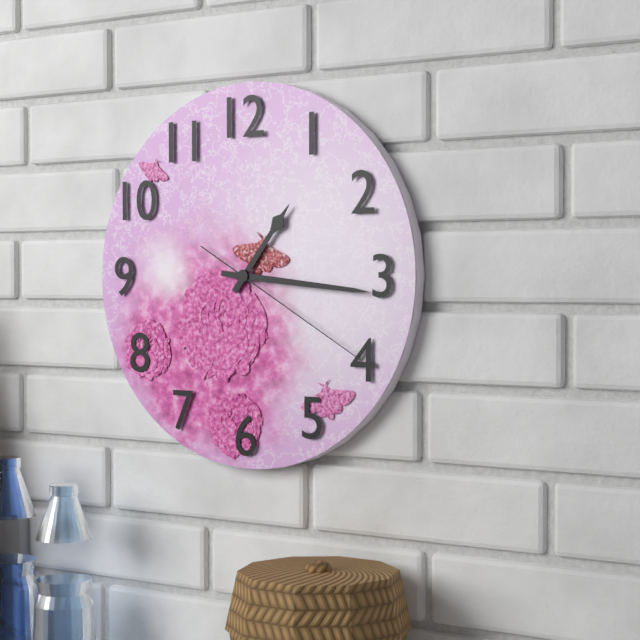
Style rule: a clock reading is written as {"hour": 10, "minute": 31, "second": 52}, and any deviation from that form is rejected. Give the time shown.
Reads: {"hour": 1, "minute": 16, "second": 20}
